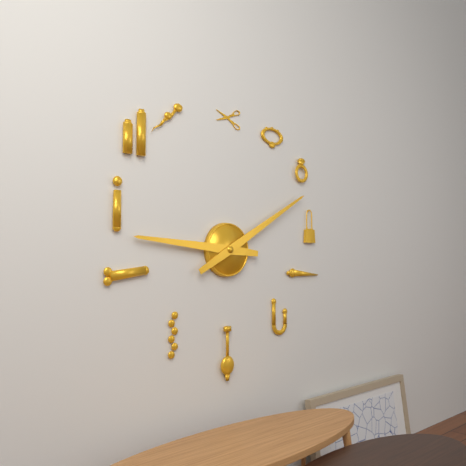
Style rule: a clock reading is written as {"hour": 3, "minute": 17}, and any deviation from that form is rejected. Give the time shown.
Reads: {"hour": 9, "minute": 10}
